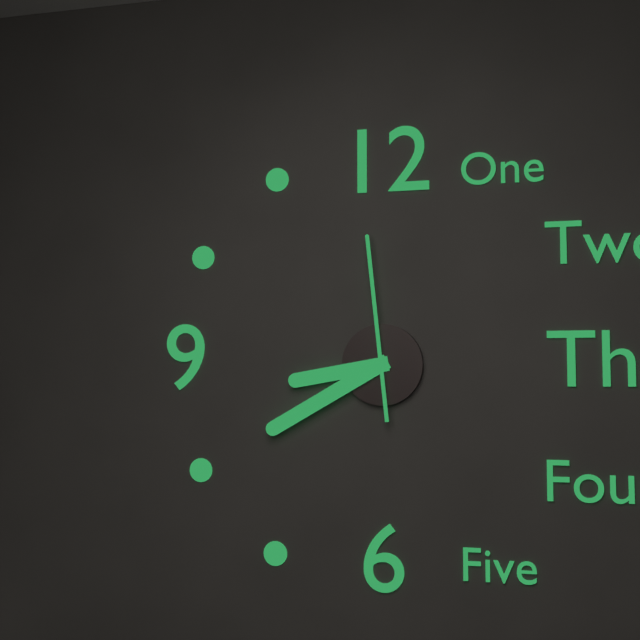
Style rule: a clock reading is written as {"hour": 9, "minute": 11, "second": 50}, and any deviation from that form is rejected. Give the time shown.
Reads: {"hour": 8, "minute": 40, "second": 59}
